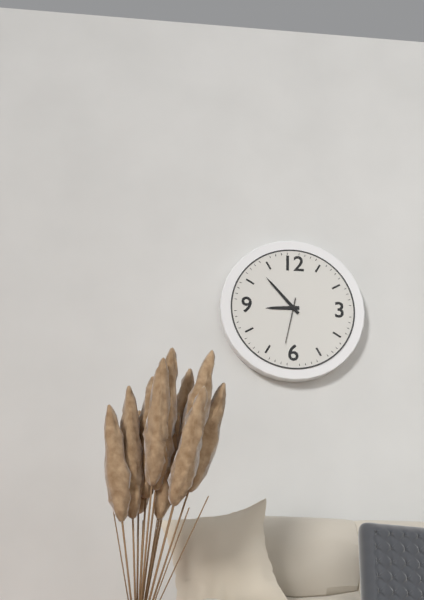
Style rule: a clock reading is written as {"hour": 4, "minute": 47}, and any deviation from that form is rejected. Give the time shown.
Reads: {"hour": 8, "minute": 53}
